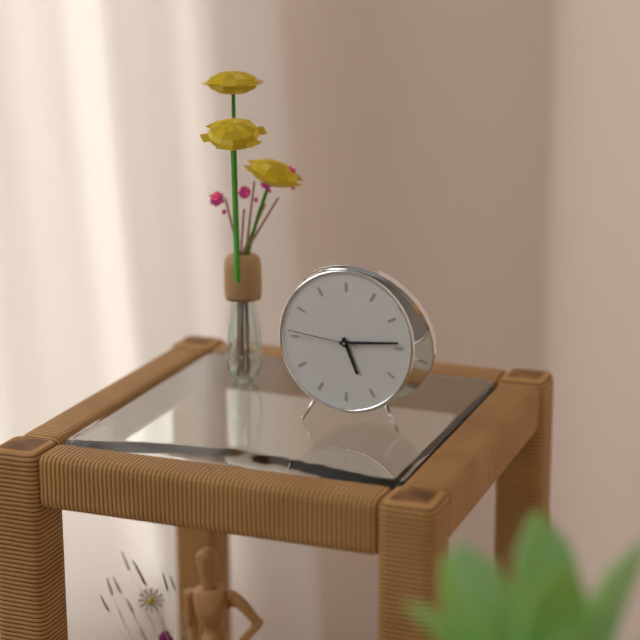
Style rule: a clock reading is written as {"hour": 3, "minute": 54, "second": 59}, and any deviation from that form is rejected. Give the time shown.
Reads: {"hour": 5, "minute": 14, "second": 46}
